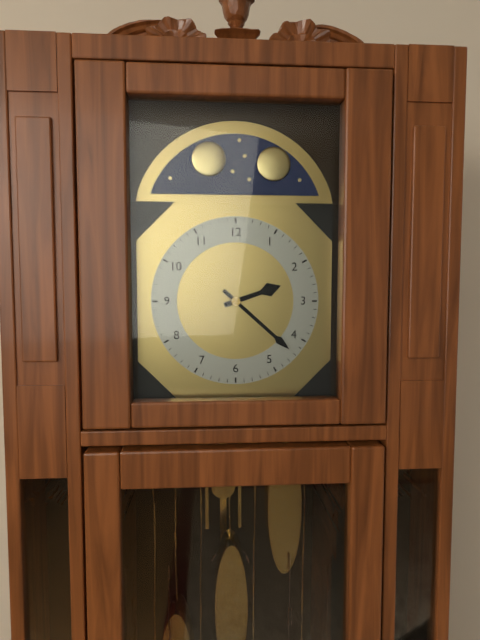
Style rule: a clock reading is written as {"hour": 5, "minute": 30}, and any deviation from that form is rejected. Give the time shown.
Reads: {"hour": 2, "minute": 22}
